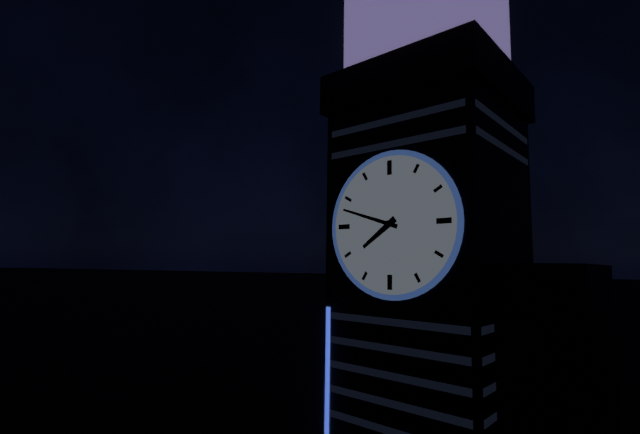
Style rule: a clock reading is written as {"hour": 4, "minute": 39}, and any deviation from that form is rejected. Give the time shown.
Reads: {"hour": 7, "minute": 48}
